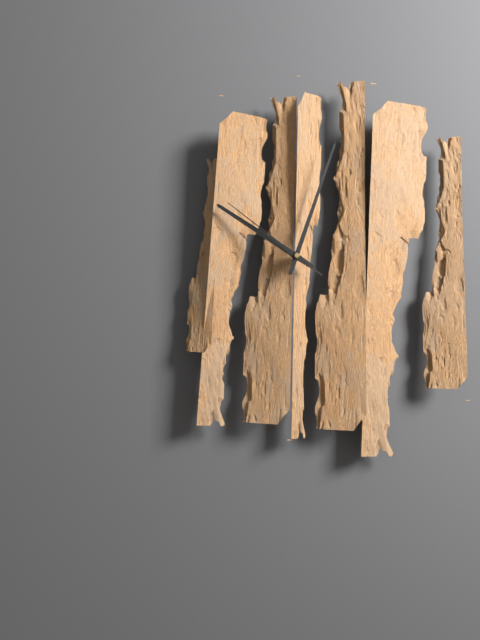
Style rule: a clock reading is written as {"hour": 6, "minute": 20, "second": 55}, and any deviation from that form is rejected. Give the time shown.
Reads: {"hour": 10, "minute": 3, "second": 51}
